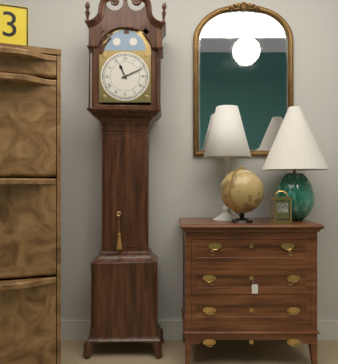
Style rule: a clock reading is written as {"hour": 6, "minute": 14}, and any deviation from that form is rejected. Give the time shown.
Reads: {"hour": 11, "minute": 11}
